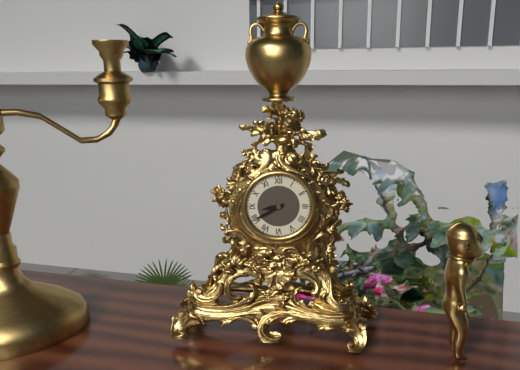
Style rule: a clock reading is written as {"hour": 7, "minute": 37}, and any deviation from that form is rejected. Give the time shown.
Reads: {"hour": 8, "minute": 40}
